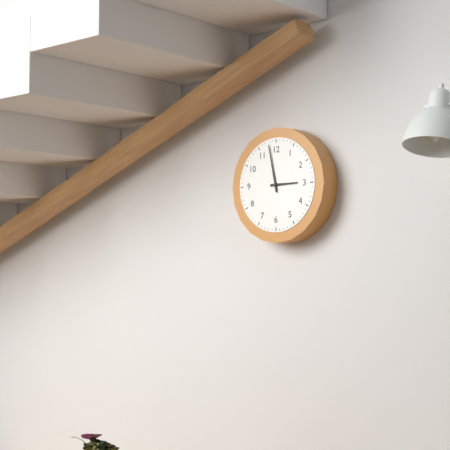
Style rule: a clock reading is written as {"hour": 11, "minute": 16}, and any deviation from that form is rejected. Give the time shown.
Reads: {"hour": 2, "minute": 58}
